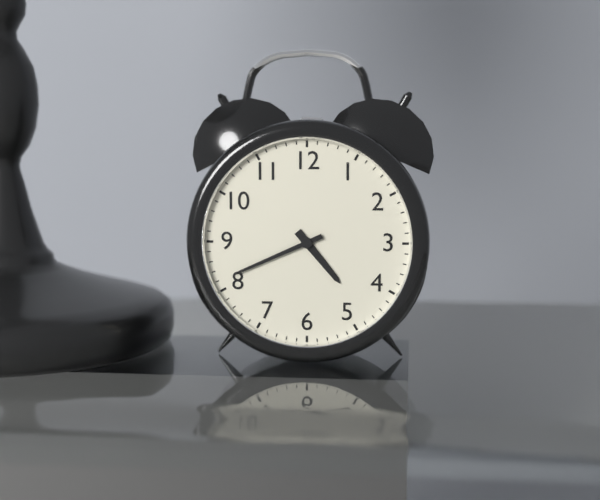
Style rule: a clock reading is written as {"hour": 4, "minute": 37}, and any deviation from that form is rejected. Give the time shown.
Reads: {"hour": 4, "minute": 41}
